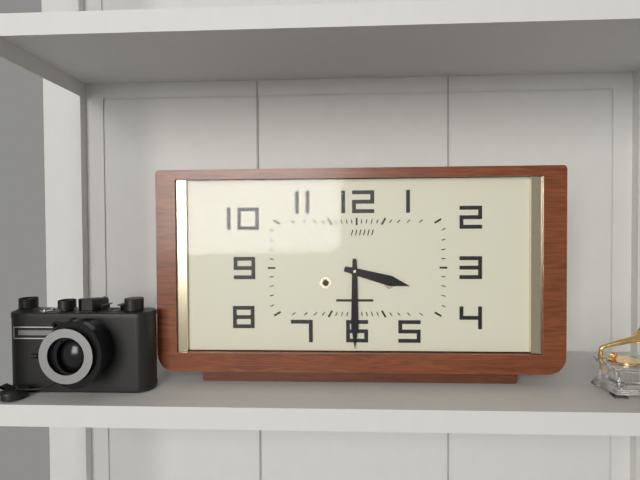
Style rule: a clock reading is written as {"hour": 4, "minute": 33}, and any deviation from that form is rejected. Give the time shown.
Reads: {"hour": 3, "minute": 30}
